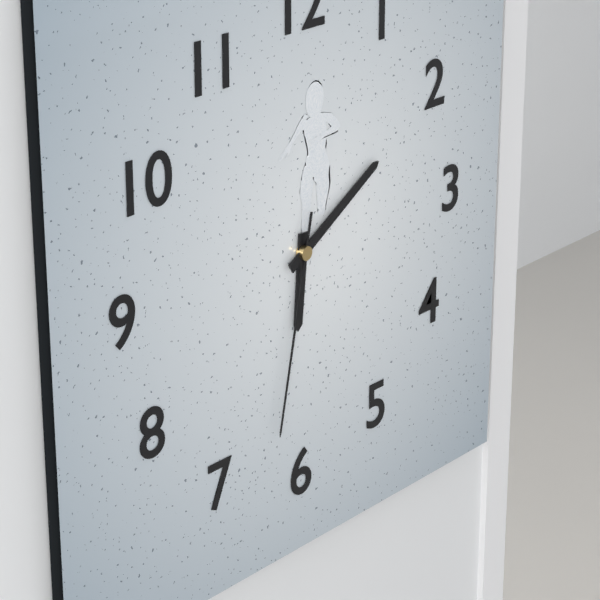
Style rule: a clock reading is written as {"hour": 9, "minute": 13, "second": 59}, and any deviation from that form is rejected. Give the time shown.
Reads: {"hour": 6, "minute": 10, "second": 32}
